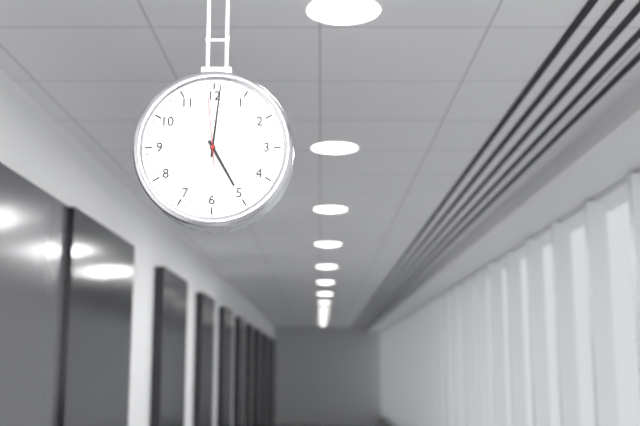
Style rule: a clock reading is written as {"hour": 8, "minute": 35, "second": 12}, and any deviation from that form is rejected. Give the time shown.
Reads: {"hour": 5, "minute": 1, "second": 59}
